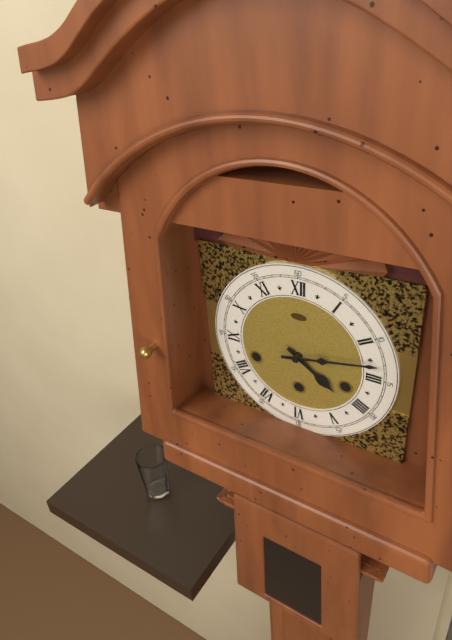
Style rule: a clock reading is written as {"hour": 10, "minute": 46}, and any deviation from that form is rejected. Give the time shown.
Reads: {"hour": 4, "minute": 13}
